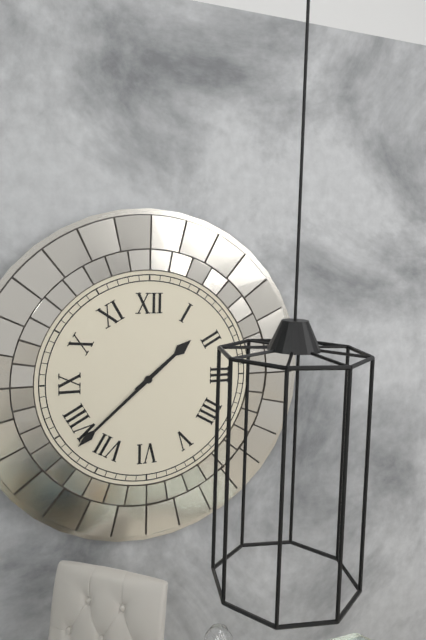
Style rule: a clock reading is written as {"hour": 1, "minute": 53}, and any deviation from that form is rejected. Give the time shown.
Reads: {"hour": 1, "minute": 38}
